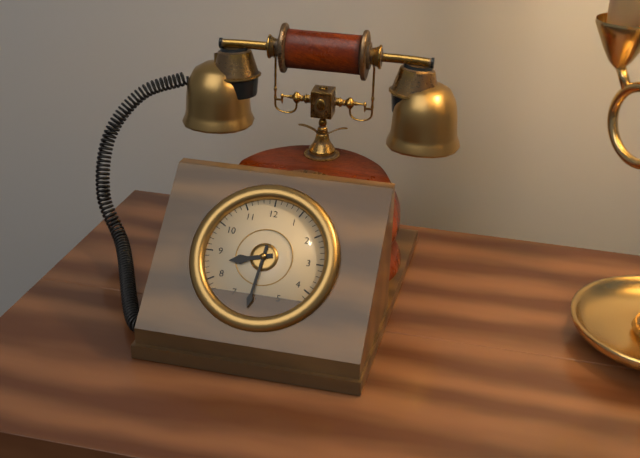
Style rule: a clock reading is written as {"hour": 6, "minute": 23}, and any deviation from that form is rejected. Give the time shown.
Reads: {"hour": 8, "minute": 31}
